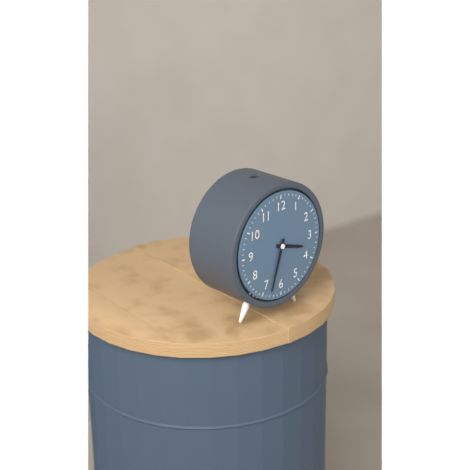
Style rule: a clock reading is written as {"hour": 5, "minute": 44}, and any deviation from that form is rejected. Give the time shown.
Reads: {"hour": 3, "minute": 33}
